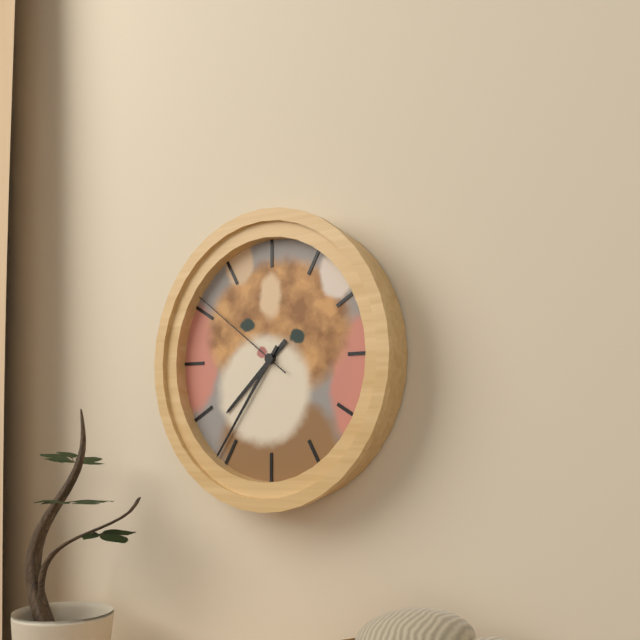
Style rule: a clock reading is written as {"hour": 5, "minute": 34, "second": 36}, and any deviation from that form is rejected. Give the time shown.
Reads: {"hour": 7, "minute": 36, "second": 51}
